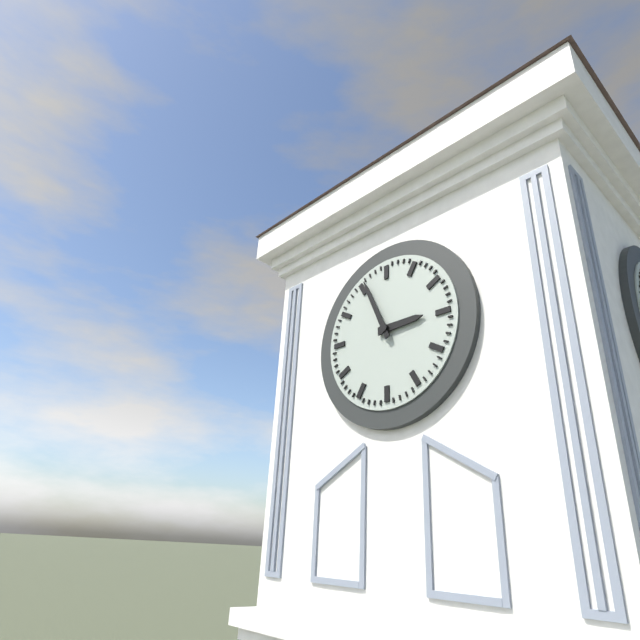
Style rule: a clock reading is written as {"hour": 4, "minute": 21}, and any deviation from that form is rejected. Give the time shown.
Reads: {"hour": 2, "minute": 56}
